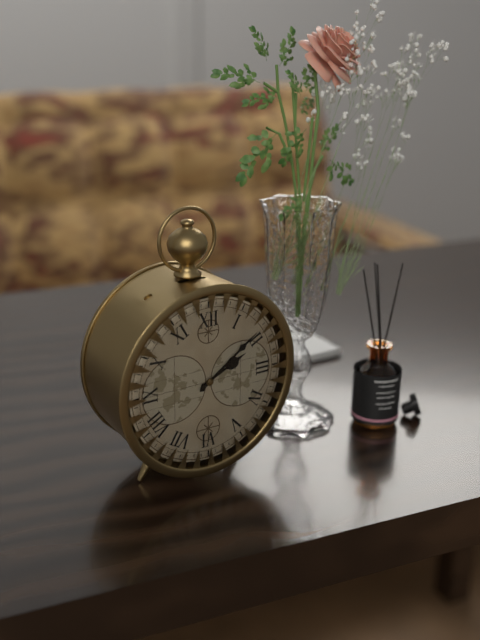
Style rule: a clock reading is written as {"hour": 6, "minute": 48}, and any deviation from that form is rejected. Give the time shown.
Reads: {"hour": 2, "minute": 9}
